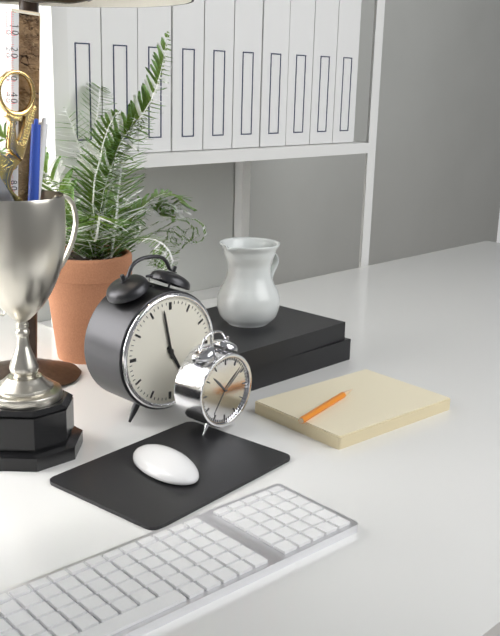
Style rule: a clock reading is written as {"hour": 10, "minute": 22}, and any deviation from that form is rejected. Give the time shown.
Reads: {"hour": 4, "minute": 58}
